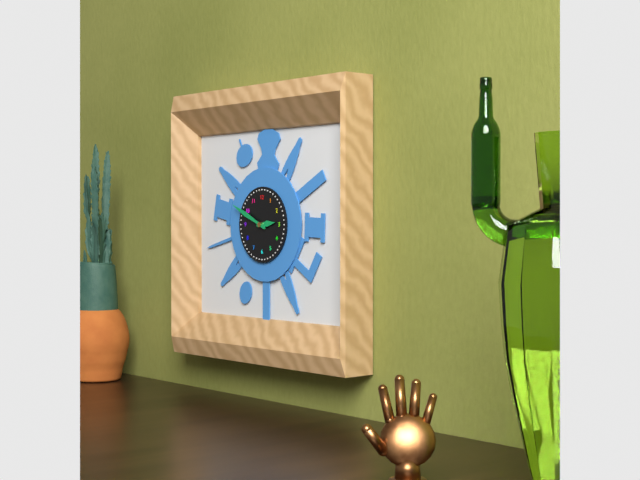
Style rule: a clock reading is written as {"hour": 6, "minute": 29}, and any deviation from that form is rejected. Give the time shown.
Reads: {"hour": 2, "minute": 49}
